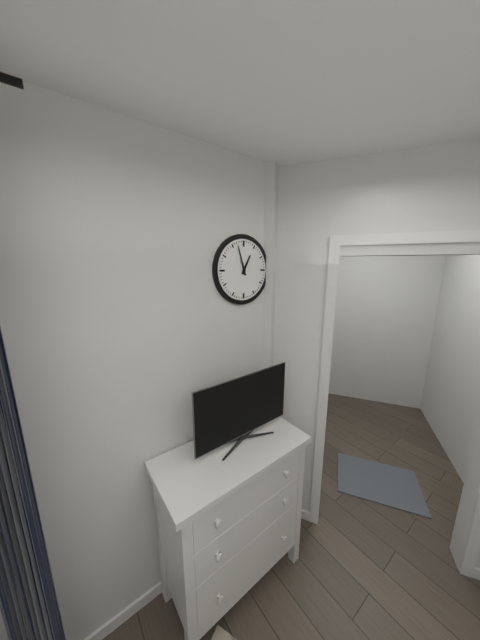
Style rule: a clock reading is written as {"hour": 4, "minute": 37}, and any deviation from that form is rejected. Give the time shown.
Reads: {"hour": 12, "minute": 57}
